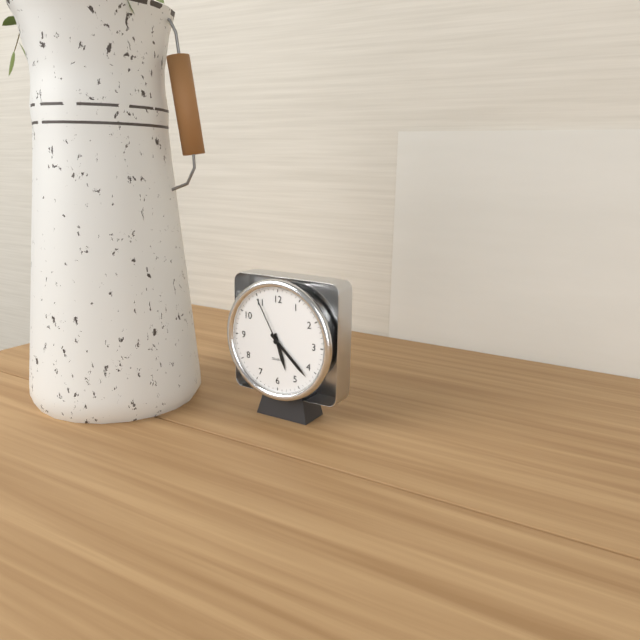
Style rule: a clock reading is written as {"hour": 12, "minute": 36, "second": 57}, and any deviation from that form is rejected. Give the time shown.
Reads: {"hour": 5, "minute": 22, "second": 55}
